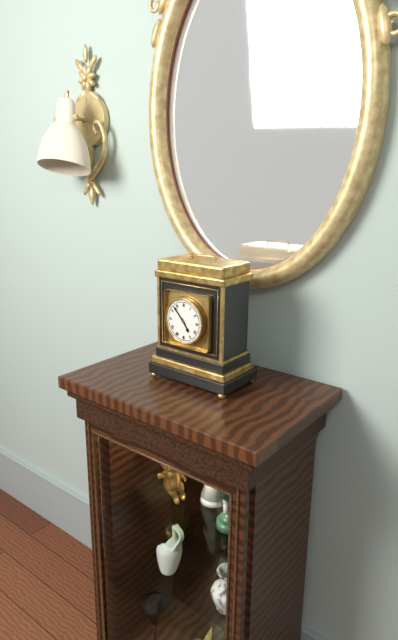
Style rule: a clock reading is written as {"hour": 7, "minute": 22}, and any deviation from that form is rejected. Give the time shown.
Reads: {"hour": 4, "minute": 53}
